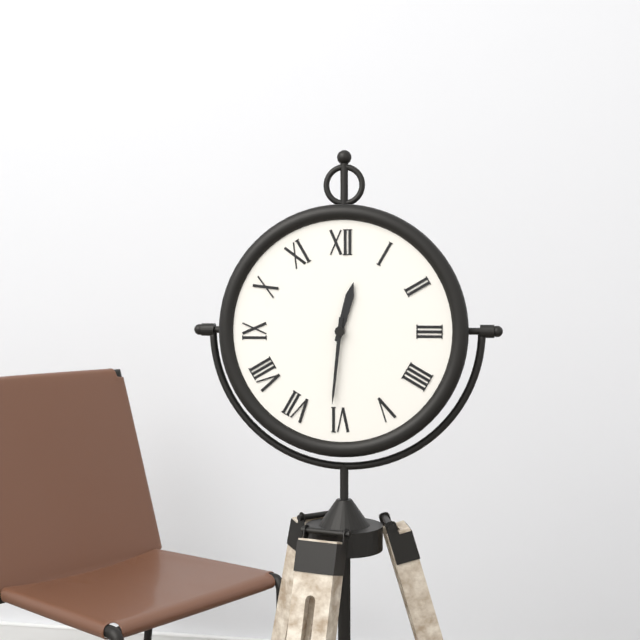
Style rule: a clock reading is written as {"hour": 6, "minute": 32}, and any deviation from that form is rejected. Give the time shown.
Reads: {"hour": 12, "minute": 31}
